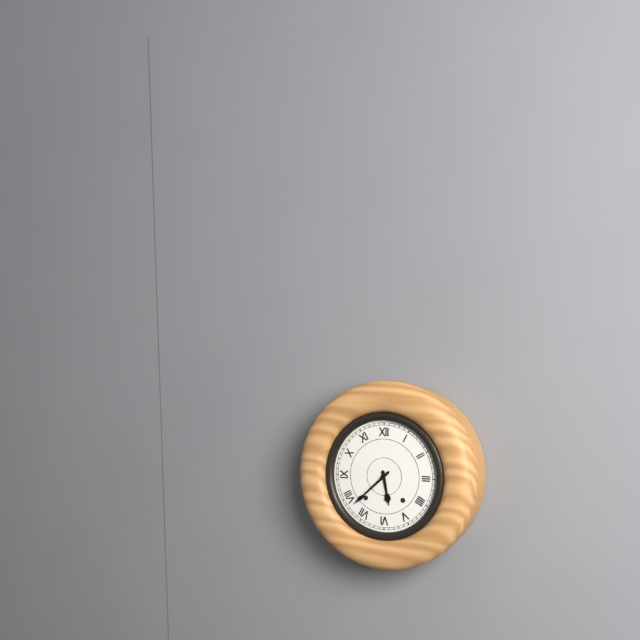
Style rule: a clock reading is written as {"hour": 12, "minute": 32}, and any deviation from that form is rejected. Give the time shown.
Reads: {"hour": 5, "minute": 38}
